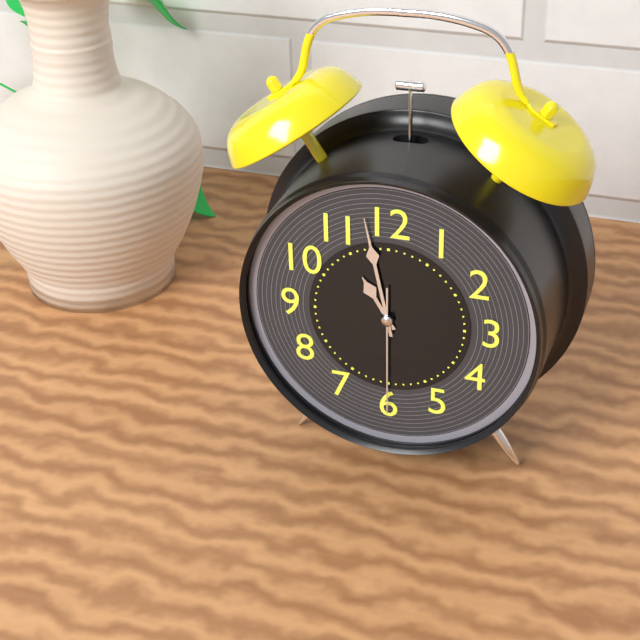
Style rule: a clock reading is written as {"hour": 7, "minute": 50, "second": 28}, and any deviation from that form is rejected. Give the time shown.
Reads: {"hour": 10, "minute": 58, "second": 30}
